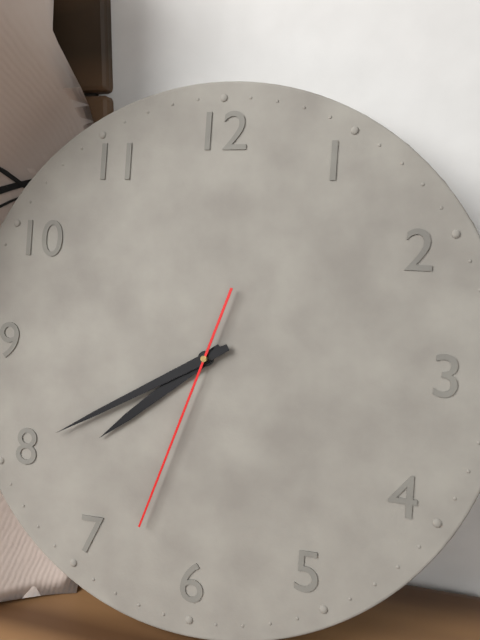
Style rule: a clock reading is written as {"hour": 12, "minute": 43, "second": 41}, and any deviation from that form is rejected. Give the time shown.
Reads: {"hour": 7, "minute": 40, "second": 33}
